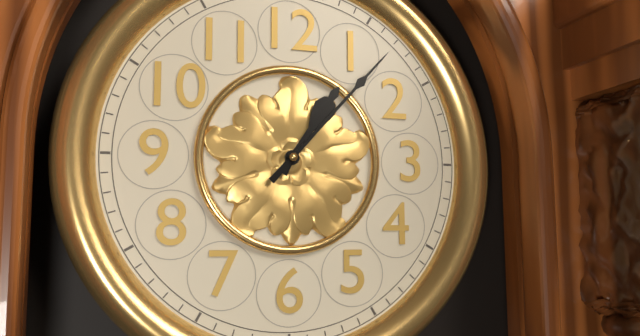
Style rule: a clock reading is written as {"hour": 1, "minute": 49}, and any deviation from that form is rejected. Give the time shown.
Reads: {"hour": 1, "minute": 7}
